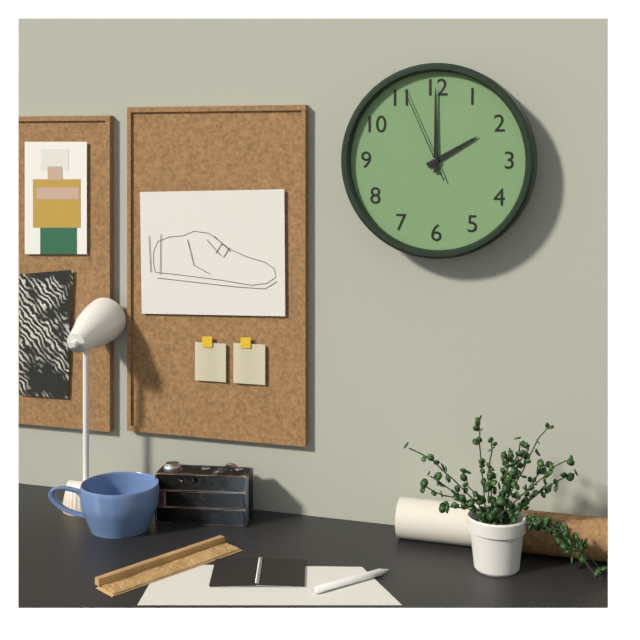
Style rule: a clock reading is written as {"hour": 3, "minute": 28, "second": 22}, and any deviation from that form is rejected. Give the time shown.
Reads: {"hour": 2, "minute": 0, "second": 56}
